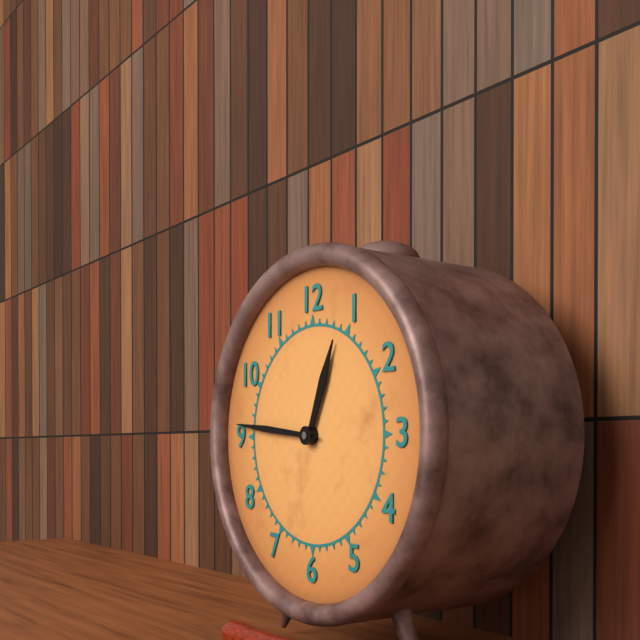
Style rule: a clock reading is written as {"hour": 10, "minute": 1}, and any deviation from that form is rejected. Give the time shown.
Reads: {"hour": 12, "minute": 46}
